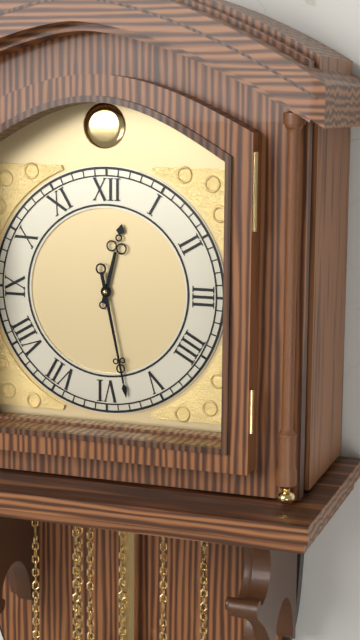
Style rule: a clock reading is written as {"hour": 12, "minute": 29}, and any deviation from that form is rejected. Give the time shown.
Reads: {"hour": 12, "minute": 28}
